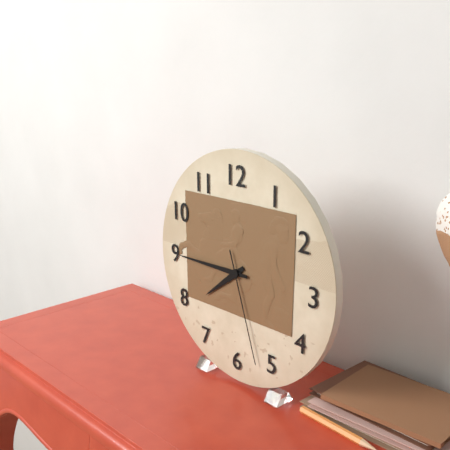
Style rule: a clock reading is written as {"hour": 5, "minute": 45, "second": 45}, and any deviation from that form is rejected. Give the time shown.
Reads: {"hour": 7, "minute": 45, "second": 27}
